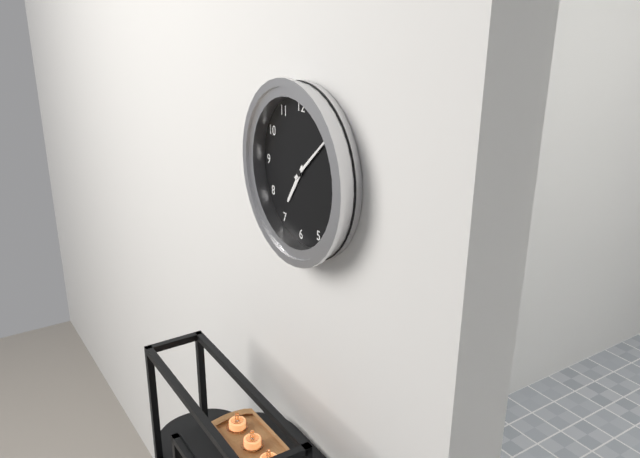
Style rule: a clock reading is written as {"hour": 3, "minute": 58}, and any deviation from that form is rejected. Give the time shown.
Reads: {"hour": 7, "minute": 8}
